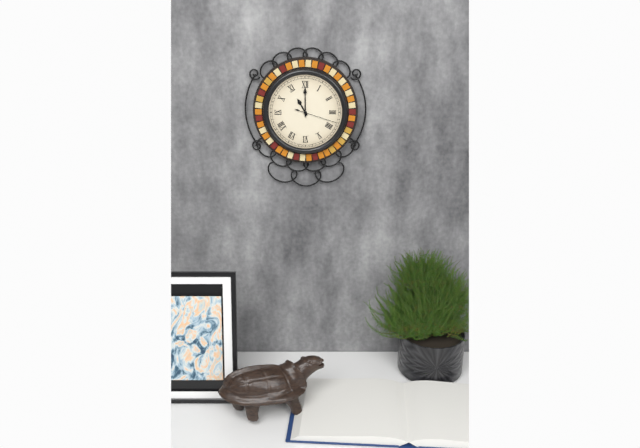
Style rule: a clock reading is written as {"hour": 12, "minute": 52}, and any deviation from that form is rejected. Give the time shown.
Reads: {"hour": 11, "minute": 0}
